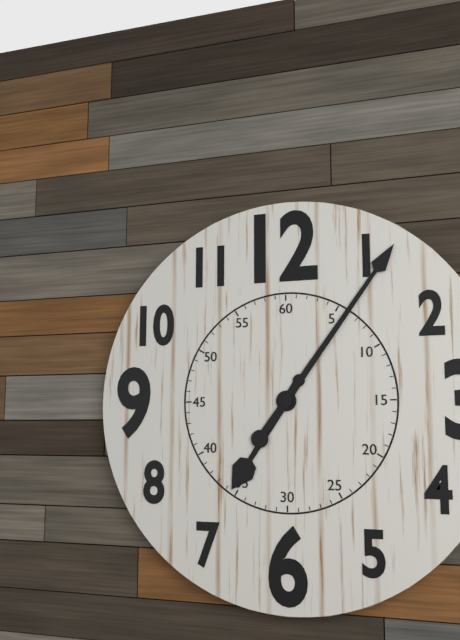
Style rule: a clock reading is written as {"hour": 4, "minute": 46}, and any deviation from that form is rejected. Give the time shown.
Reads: {"hour": 7, "minute": 6}
